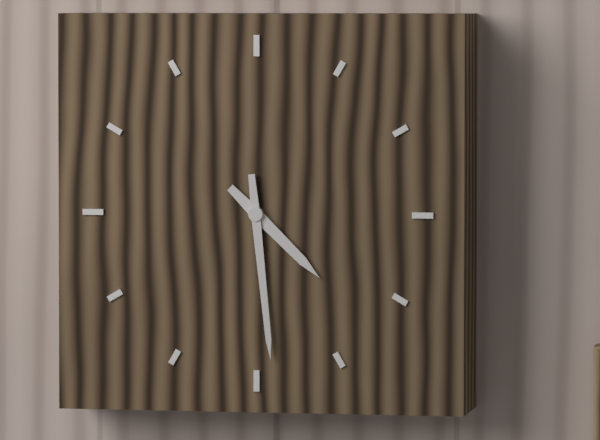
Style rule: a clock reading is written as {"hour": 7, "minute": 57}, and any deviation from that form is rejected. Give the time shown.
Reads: {"hour": 4, "minute": 29}
